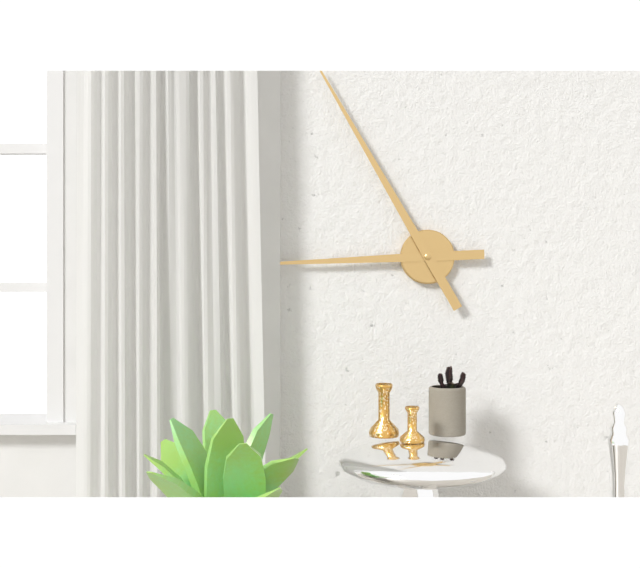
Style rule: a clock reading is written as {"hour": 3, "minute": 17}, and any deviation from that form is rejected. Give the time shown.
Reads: {"hour": 8, "minute": 55}
